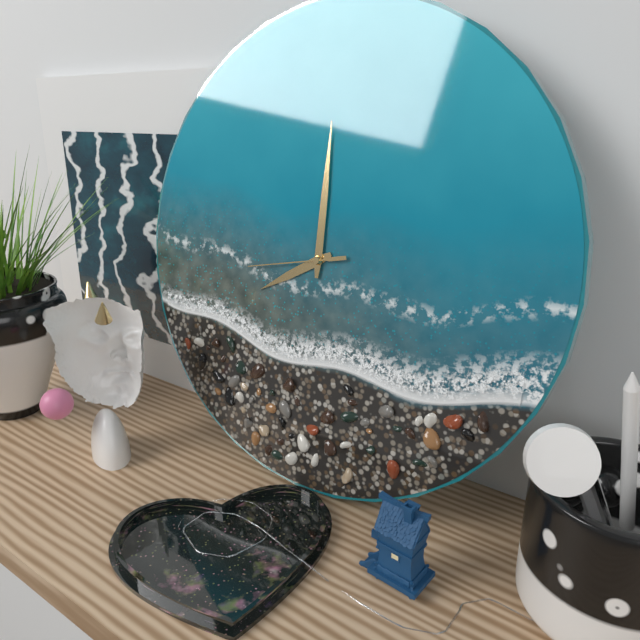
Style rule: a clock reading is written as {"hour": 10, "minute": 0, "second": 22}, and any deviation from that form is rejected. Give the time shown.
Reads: {"hour": 8, "minute": 0, "second": 43}
